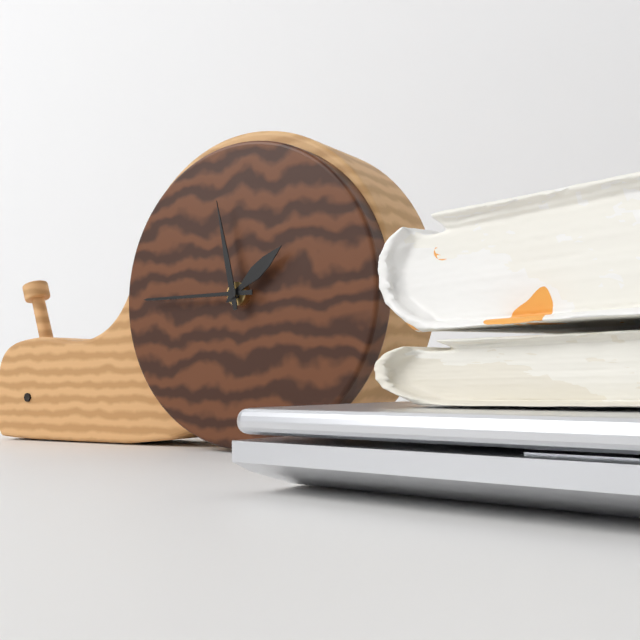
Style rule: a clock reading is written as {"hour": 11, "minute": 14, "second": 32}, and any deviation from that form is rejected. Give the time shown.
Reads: {"hour": 1, "minute": 45, "second": 58}
